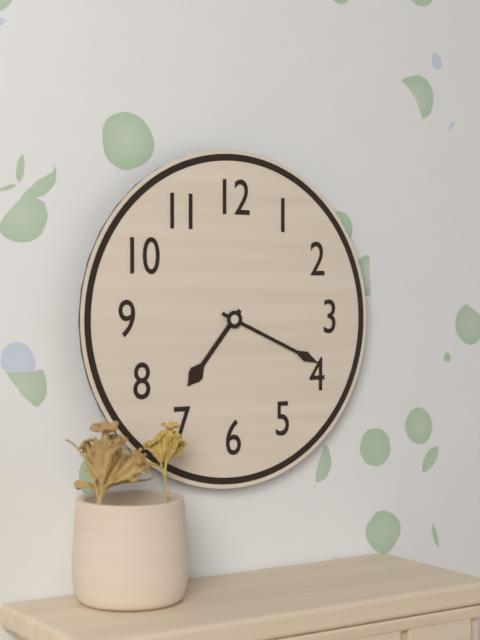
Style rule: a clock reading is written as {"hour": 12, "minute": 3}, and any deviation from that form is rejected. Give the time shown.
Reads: {"hour": 7, "minute": 19}
